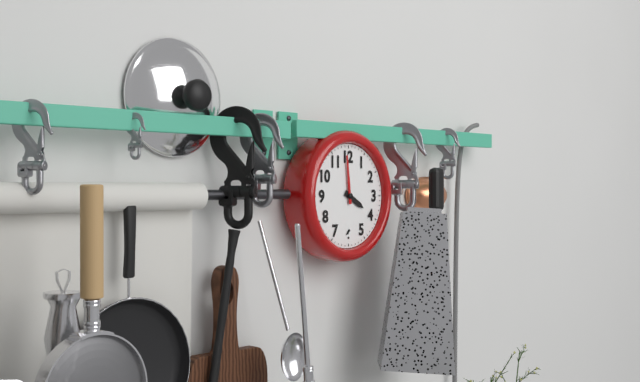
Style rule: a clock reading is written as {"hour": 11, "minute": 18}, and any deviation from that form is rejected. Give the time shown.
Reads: {"hour": 3, "minute": 59}
